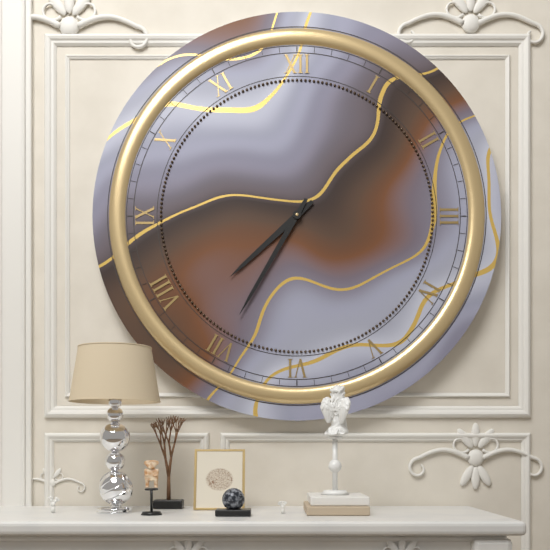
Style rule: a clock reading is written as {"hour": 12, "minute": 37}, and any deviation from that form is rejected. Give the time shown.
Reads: {"hour": 7, "minute": 35}
